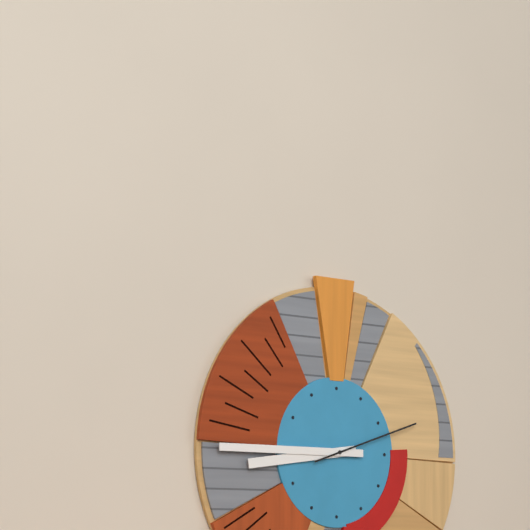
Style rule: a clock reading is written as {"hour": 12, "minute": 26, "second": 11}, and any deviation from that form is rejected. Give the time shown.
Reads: {"hour": 8, "minute": 45, "second": 12}
